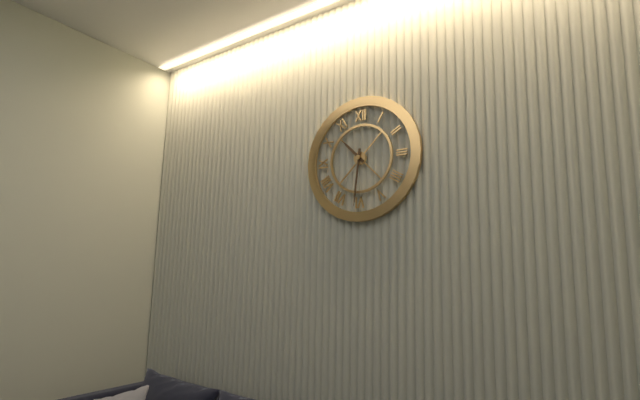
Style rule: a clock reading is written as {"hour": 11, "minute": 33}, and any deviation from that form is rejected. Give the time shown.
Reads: {"hour": 10, "minute": 31}
